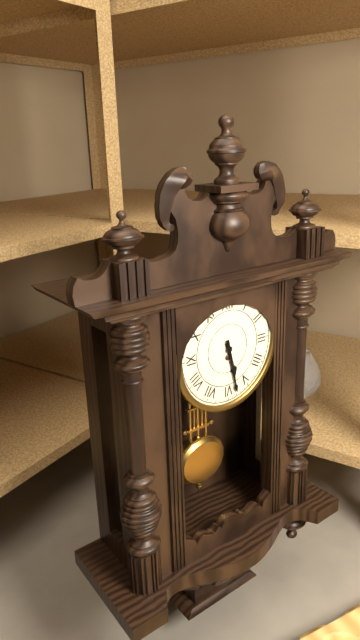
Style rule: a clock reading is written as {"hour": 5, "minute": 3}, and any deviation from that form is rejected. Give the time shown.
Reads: {"hour": 5, "minute": 28}
